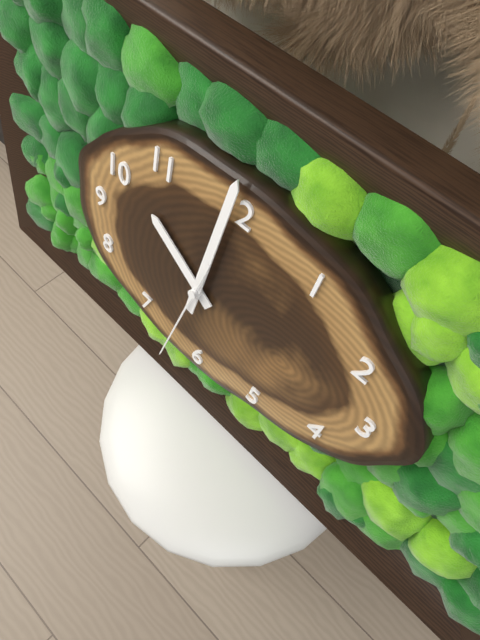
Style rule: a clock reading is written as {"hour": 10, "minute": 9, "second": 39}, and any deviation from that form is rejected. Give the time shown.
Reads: {"hour": 10, "minute": 1, "second": 32}
